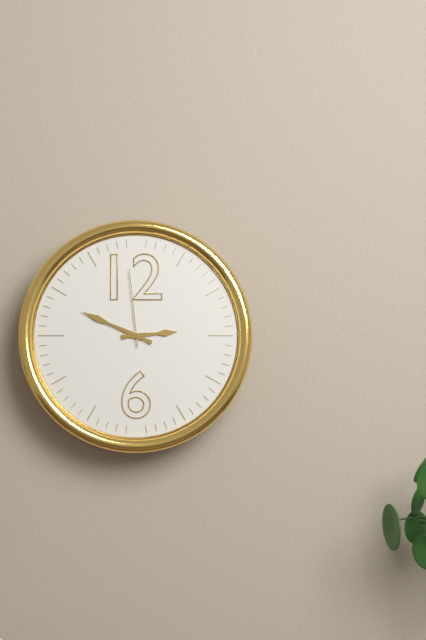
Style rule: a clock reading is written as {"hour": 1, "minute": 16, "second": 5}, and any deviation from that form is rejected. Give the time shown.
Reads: {"hour": 2, "minute": 49, "second": 59}
